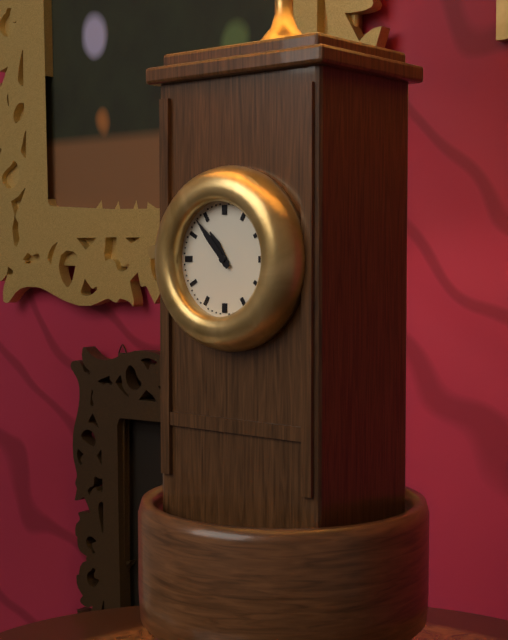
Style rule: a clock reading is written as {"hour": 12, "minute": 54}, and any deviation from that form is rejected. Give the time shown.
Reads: {"hour": 10, "minute": 53}
